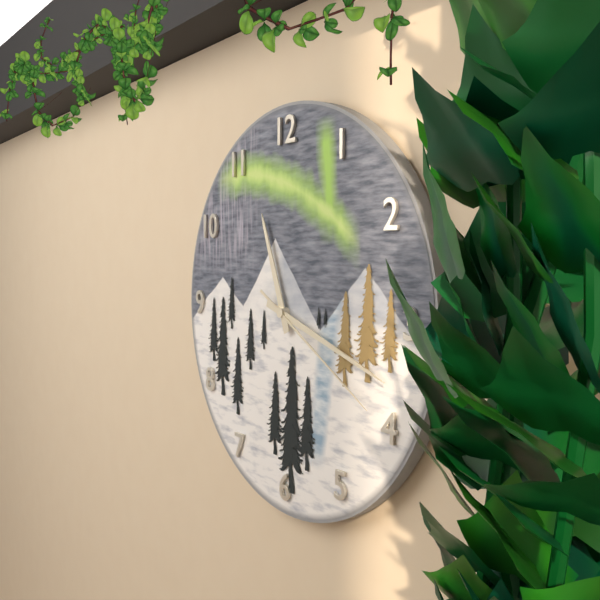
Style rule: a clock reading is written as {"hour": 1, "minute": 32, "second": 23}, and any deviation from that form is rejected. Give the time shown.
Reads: {"hour": 11, "minute": 18, "second": 20}
